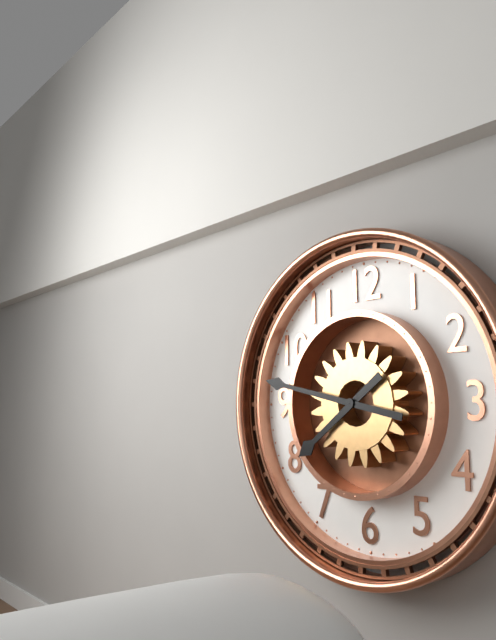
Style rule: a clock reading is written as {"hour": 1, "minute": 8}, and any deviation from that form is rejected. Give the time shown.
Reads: {"hour": 7, "minute": 47}
